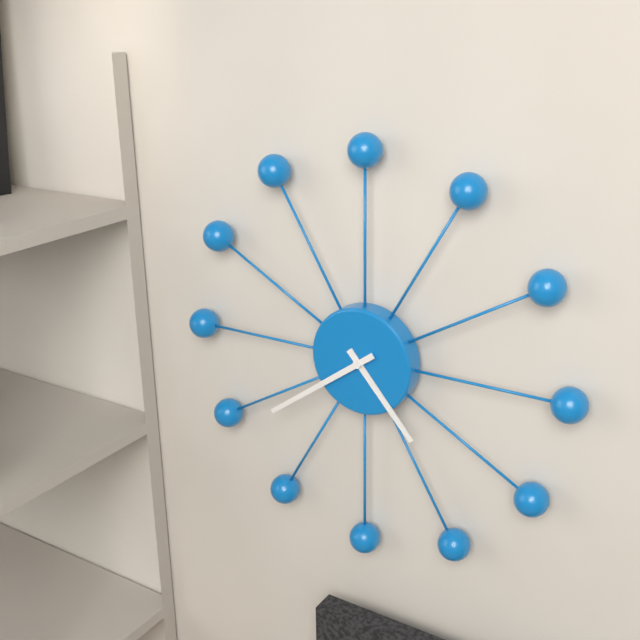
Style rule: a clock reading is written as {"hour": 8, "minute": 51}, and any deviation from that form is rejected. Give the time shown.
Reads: {"hour": 4, "minute": 39}
